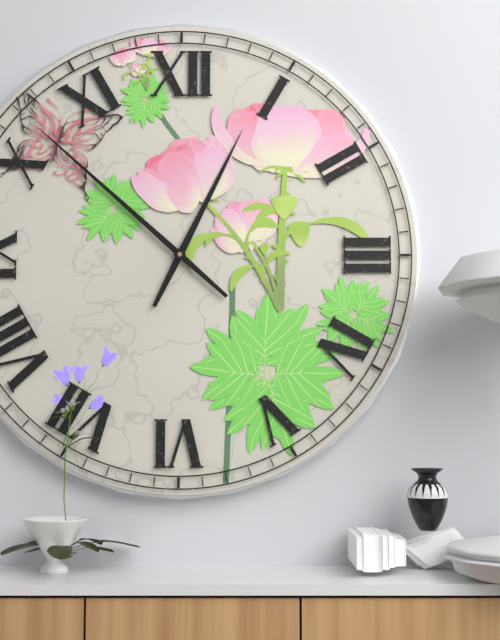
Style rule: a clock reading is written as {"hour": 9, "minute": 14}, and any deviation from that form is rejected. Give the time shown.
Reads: {"hour": 12, "minute": 52}
